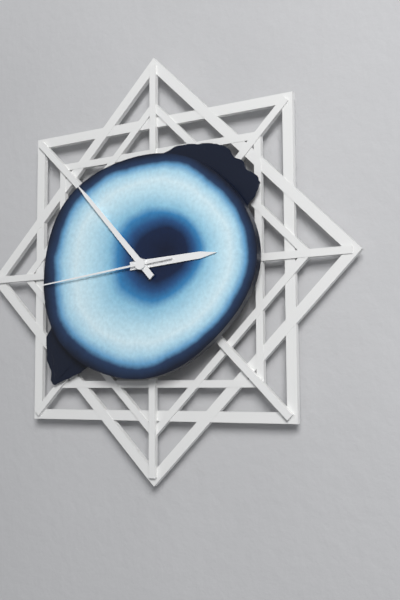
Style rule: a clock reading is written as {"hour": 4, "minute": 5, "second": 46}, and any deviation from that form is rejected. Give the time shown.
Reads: {"hour": 2, "minute": 53, "second": 44}
